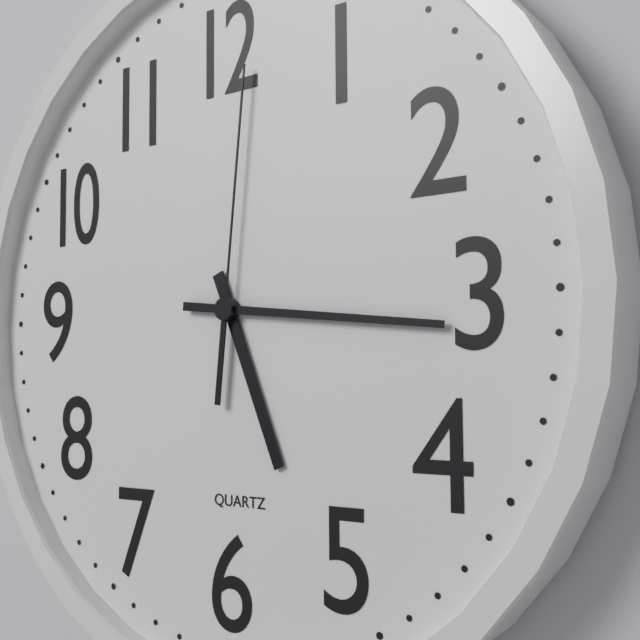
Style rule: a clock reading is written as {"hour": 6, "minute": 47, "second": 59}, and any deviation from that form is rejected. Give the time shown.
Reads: {"hour": 5, "minute": 16, "second": 1}
